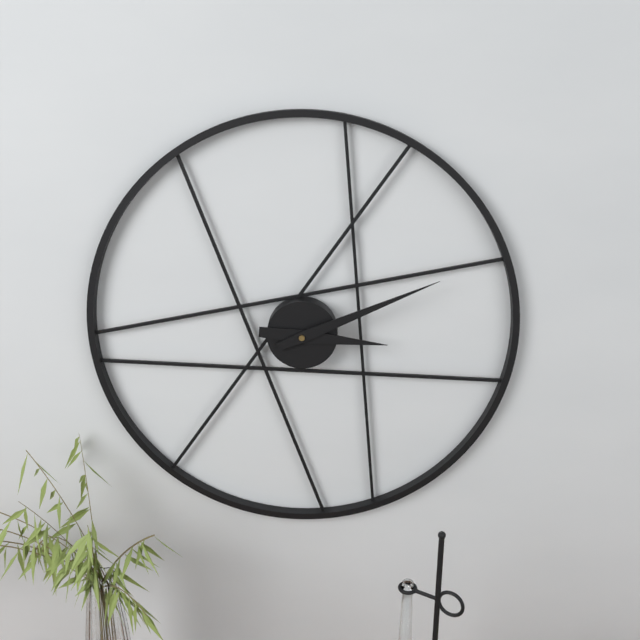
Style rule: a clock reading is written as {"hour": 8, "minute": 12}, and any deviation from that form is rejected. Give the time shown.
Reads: {"hour": 3, "minute": 11}
